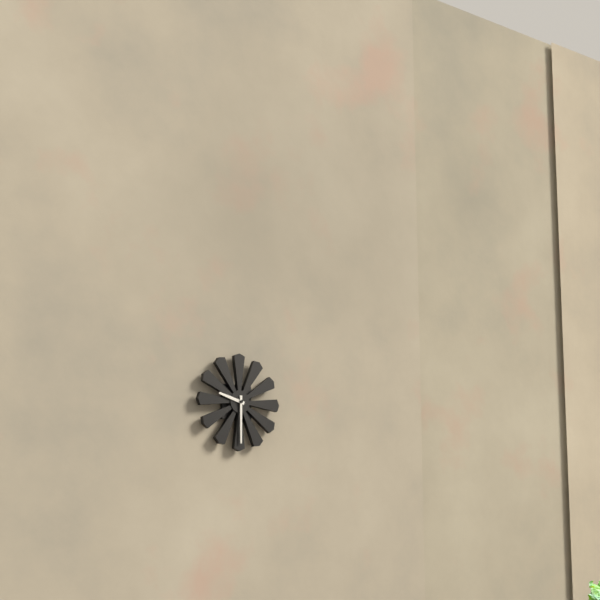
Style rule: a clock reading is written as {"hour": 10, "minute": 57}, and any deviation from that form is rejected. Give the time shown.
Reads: {"hour": 9, "minute": 30}
